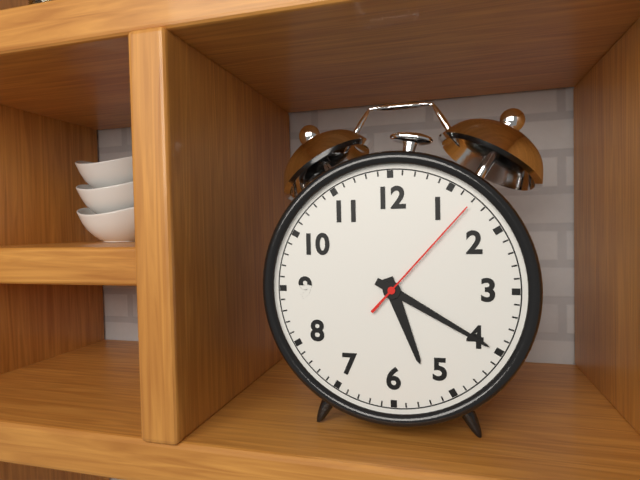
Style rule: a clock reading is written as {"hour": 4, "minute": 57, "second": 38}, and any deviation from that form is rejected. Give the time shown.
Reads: {"hour": 5, "minute": 20, "second": 7}
